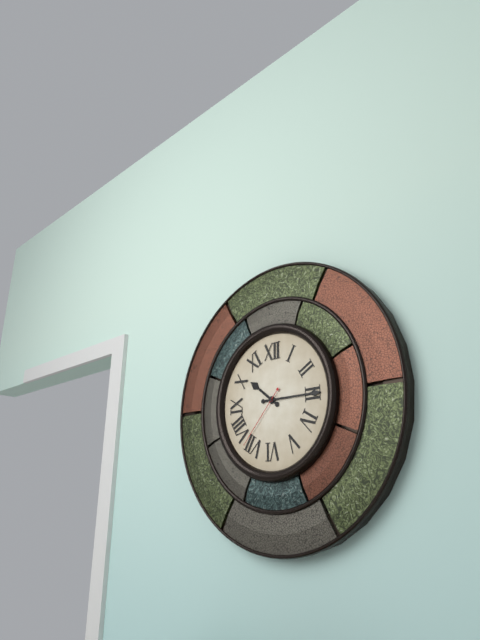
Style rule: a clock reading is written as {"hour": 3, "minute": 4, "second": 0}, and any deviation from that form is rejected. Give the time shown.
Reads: {"hour": 10, "minute": 15, "second": 37}
